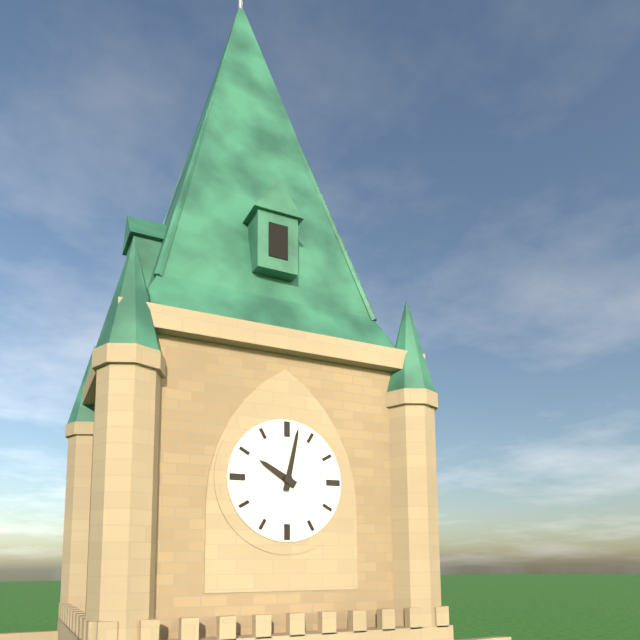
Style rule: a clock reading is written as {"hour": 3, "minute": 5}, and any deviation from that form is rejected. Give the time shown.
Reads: {"hour": 10, "minute": 2}
